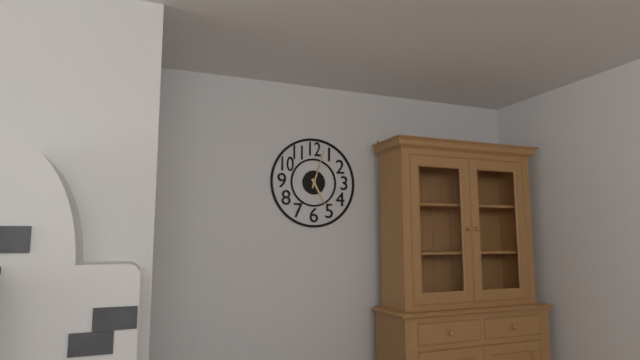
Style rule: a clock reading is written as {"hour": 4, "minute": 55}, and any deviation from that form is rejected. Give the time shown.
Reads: {"hour": 5, "minute": 3}
